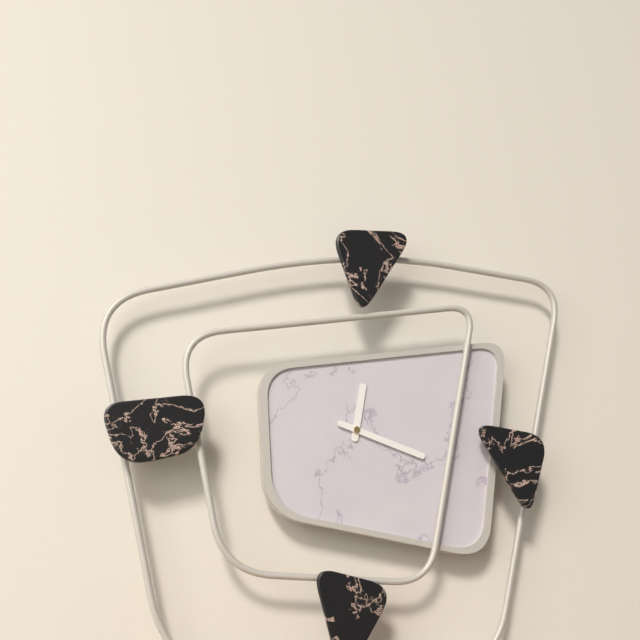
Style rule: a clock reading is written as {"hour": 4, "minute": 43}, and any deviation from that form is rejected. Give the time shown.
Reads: {"hour": 12, "minute": 18}
